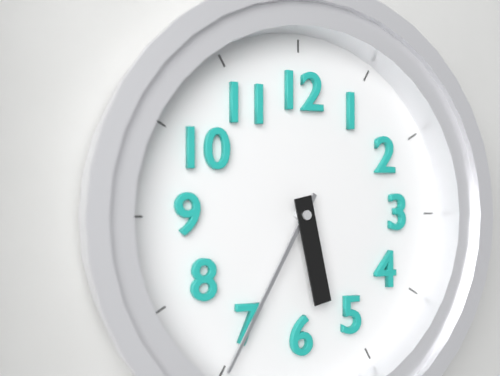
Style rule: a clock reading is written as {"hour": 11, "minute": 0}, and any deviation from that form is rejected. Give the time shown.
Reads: {"hour": 5, "minute": 35}
